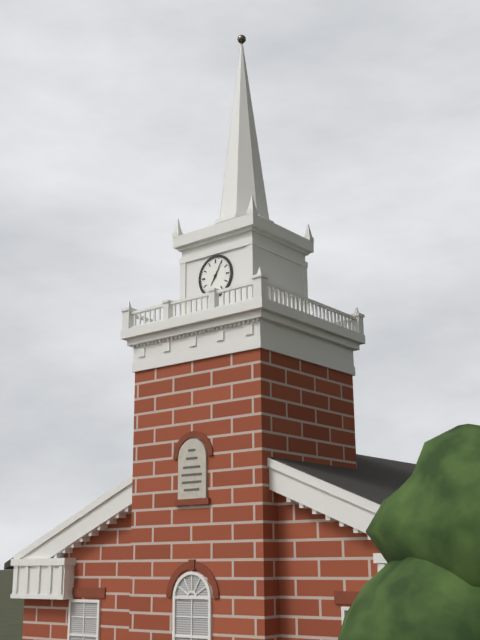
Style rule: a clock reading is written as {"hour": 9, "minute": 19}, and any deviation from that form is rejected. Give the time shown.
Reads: {"hour": 7, "minute": 5}
